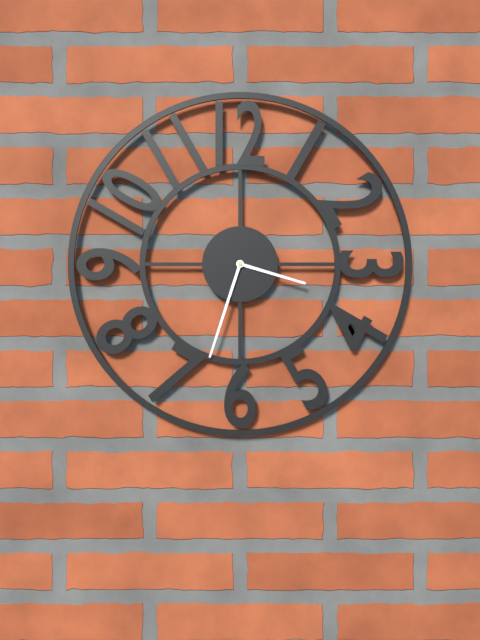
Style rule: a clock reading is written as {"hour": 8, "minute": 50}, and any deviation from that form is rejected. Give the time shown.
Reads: {"hour": 3, "minute": 33}
